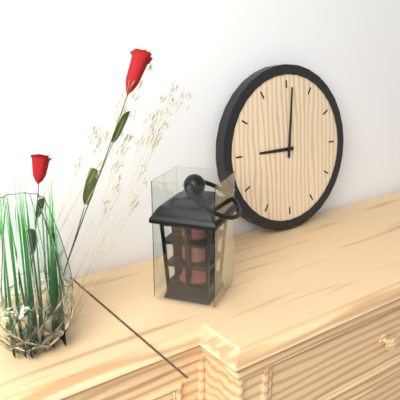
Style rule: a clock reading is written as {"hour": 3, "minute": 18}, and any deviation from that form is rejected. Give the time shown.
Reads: {"hour": 9, "minute": 1}
